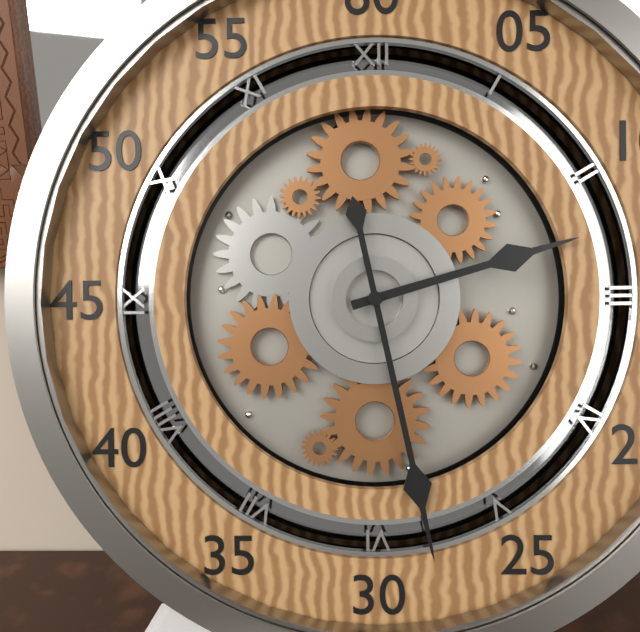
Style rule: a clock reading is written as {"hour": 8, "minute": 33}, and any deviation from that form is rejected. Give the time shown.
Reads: {"hour": 2, "minute": 28}
